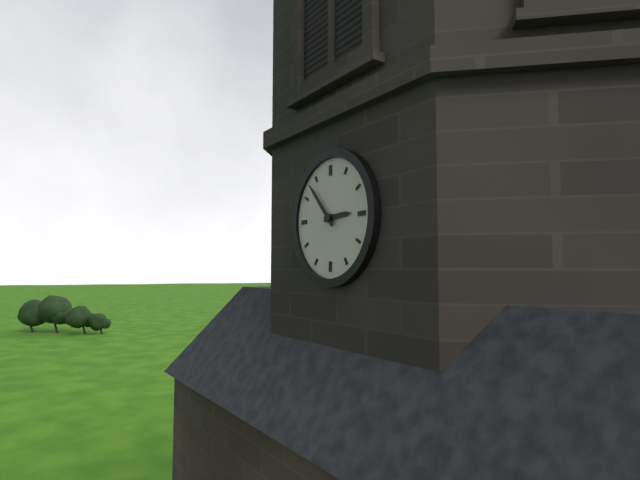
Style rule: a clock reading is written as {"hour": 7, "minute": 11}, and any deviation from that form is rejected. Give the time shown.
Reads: {"hour": 2, "minute": 53}
